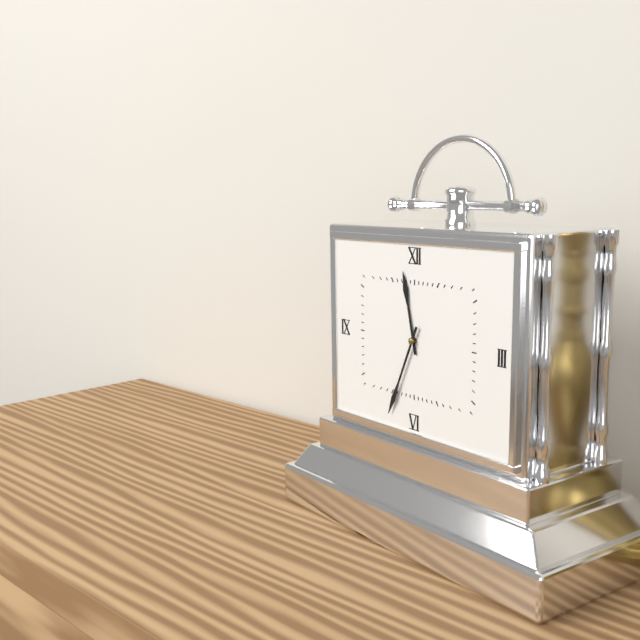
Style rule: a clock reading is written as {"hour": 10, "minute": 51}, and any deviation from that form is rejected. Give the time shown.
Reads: {"hour": 11, "minute": 34}
